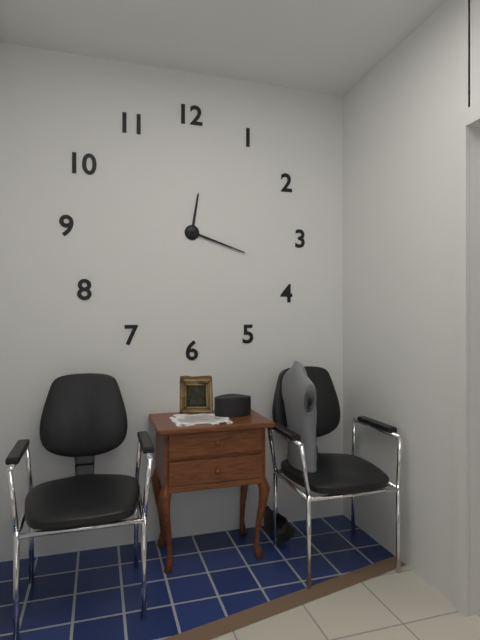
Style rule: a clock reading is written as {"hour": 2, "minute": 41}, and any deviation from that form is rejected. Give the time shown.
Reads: {"hour": 12, "minute": 18}
